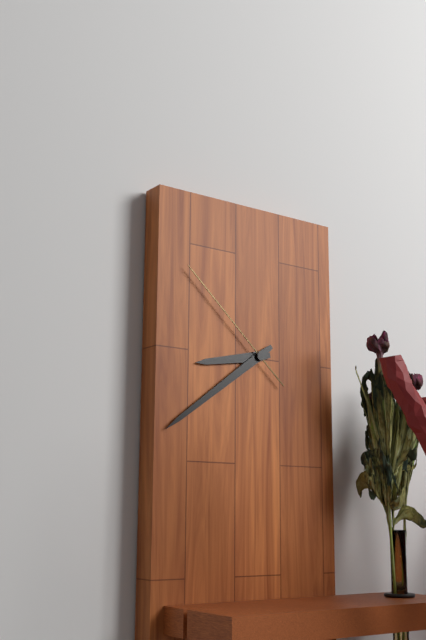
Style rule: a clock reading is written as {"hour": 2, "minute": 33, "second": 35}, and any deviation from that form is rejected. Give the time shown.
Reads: {"hour": 8, "minute": 39, "second": 52}
